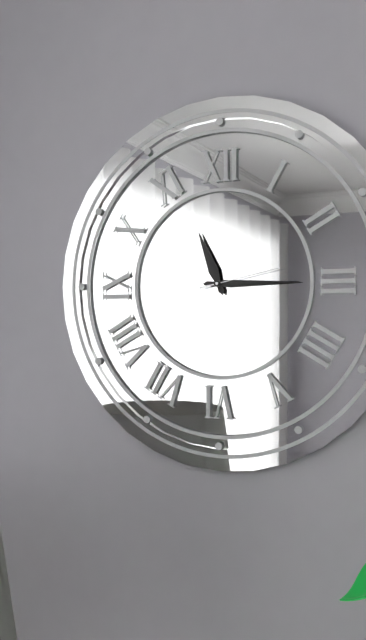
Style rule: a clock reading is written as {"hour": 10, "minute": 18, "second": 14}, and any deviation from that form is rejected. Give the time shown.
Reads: {"hour": 11, "minute": 15, "second": 13}
